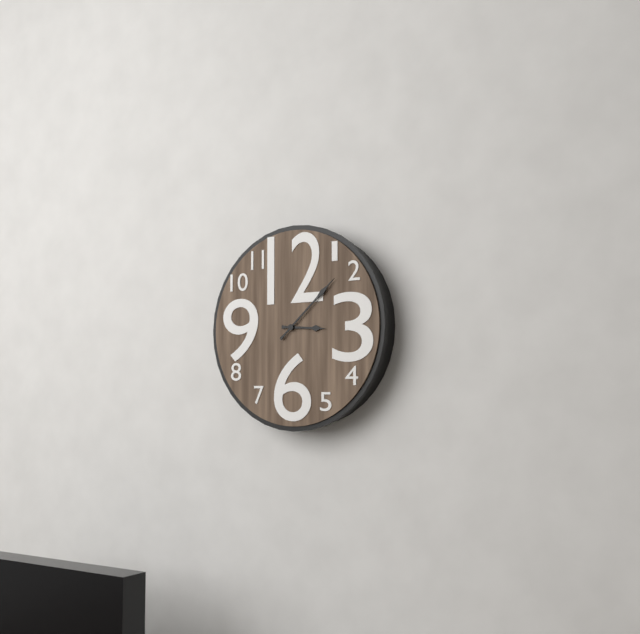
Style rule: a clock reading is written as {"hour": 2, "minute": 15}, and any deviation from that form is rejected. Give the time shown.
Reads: {"hour": 3, "minute": 8}
